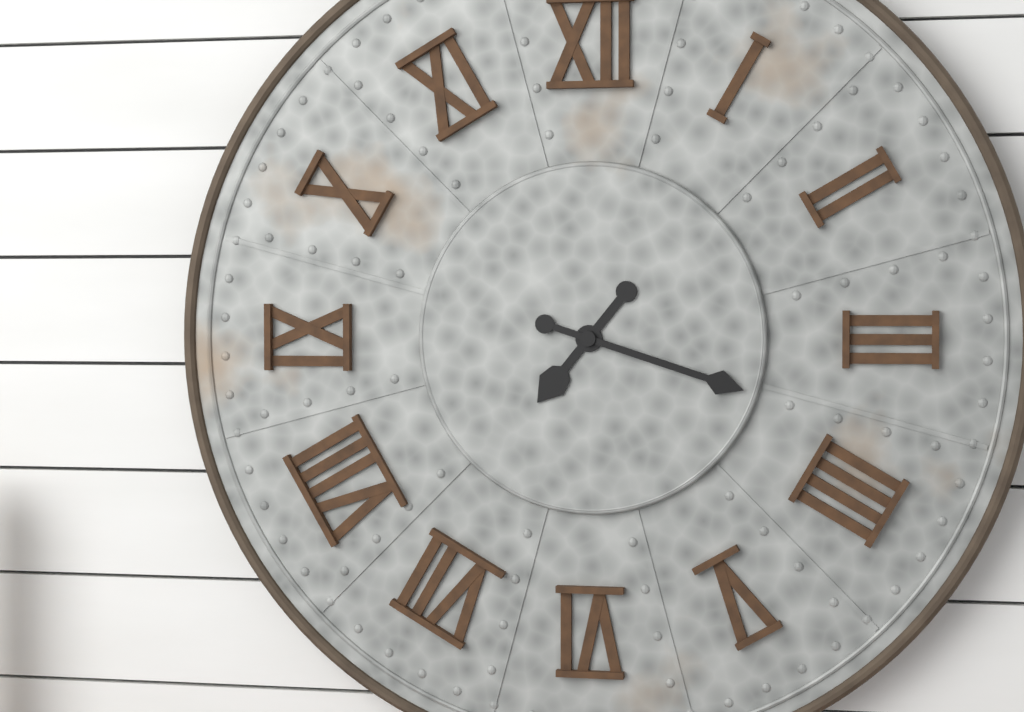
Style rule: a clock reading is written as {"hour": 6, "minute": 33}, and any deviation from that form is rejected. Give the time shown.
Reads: {"hour": 7, "minute": 18}
